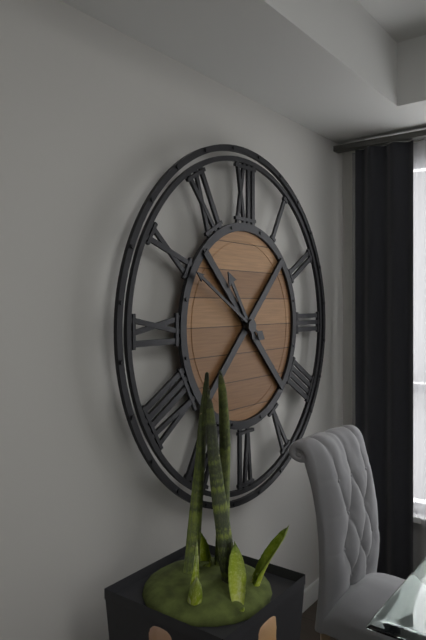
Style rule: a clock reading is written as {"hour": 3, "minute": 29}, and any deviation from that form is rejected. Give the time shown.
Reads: {"hour": 10, "minute": 50}
